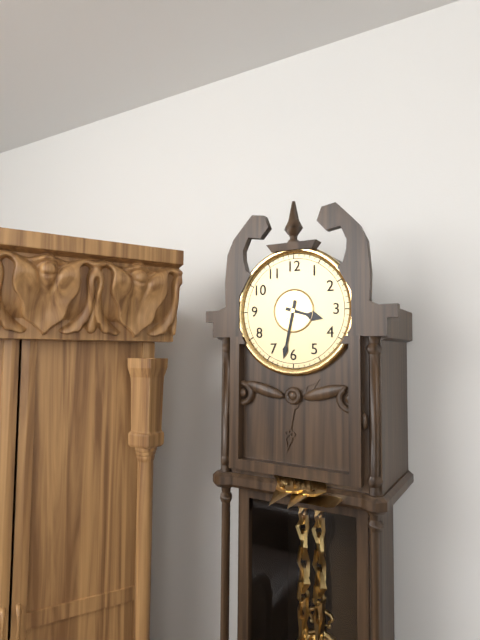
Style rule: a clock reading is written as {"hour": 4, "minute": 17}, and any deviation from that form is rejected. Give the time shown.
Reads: {"hour": 3, "minute": 32}
